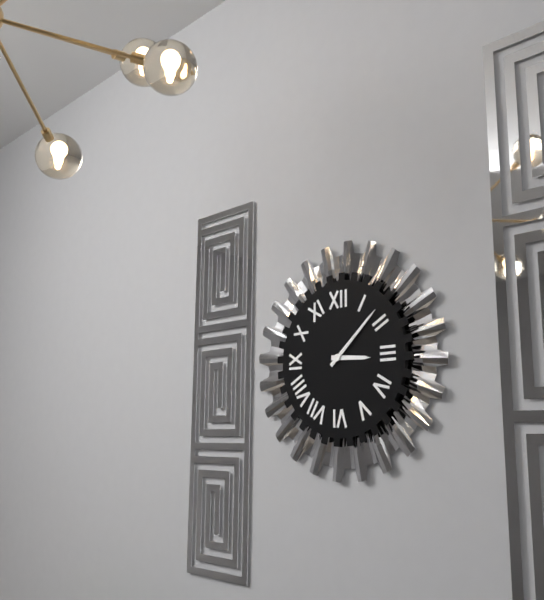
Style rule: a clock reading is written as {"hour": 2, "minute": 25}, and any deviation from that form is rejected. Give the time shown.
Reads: {"hour": 3, "minute": 8}
